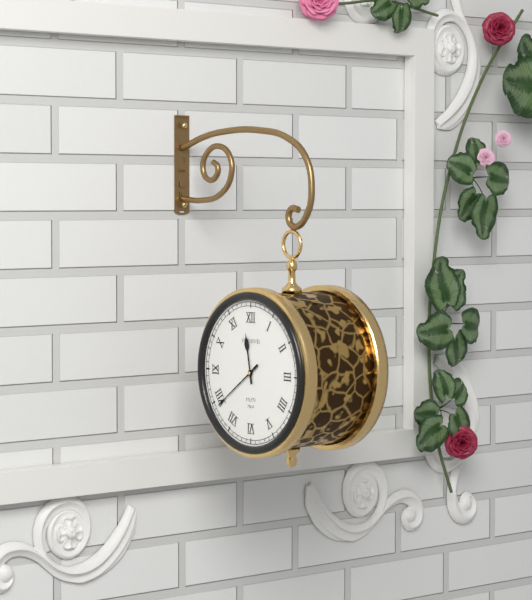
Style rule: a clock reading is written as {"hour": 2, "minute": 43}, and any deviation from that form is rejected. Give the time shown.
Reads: {"hour": 11, "minute": 39}
